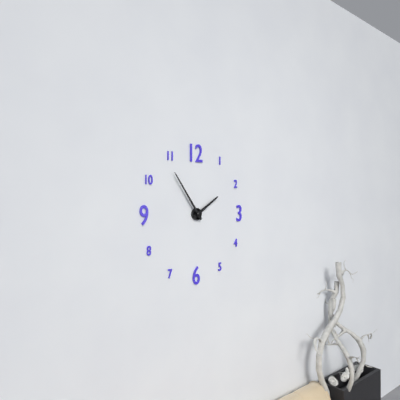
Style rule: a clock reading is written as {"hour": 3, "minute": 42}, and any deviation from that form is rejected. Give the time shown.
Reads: {"hour": 1, "minute": 54}
